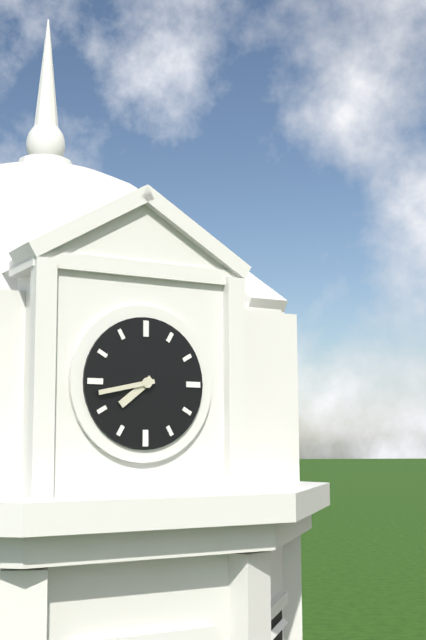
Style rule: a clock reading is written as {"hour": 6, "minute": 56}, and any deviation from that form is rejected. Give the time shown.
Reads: {"hour": 7, "minute": 43}
